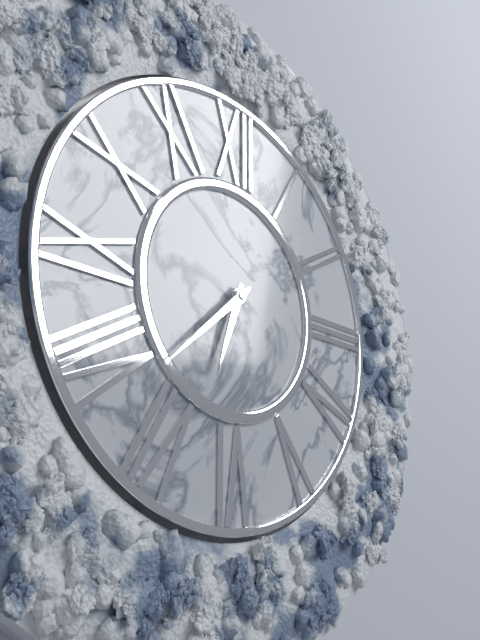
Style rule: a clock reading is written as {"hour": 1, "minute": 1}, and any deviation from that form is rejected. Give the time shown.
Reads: {"hour": 6, "minute": 38}
